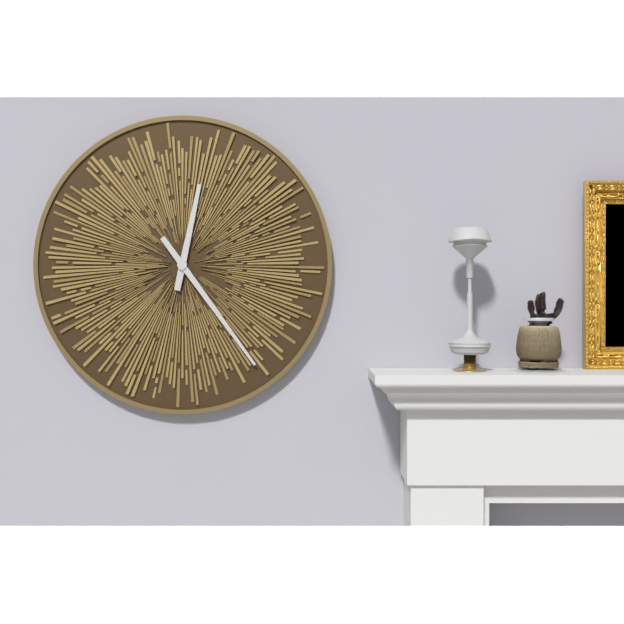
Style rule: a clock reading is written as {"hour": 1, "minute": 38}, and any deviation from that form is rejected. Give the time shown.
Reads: {"hour": 12, "minute": 24}
